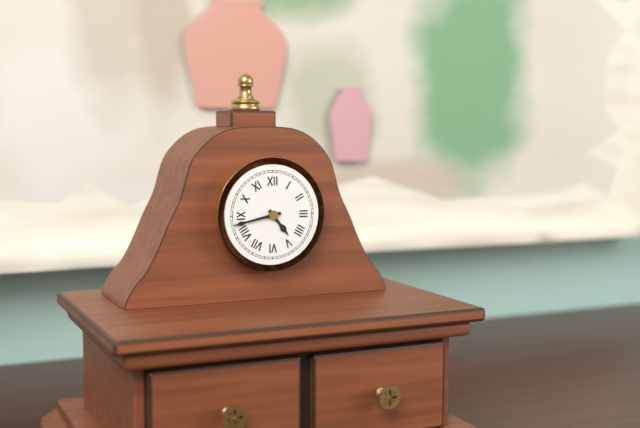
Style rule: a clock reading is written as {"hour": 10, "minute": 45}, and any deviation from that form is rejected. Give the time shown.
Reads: {"hour": 4, "minute": 43}
